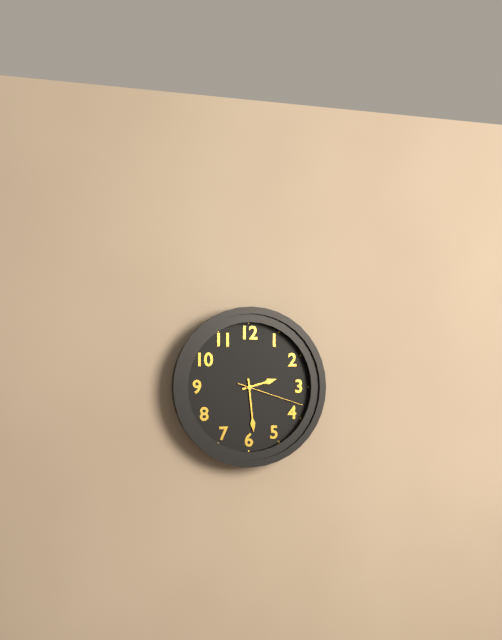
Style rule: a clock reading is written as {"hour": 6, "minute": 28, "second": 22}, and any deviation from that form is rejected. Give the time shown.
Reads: {"hour": 2, "minute": 29, "second": 18}
